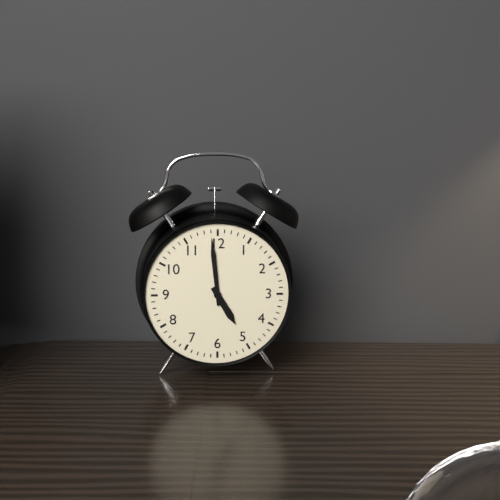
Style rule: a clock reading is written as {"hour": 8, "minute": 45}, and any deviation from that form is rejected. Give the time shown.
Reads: {"hour": 4, "minute": 59}
